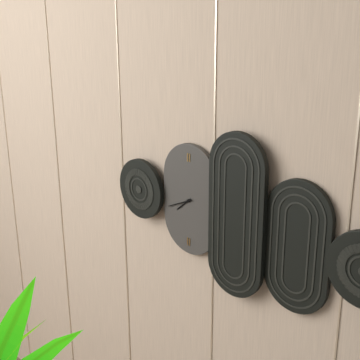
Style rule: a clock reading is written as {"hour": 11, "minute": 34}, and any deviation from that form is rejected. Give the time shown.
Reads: {"hour": 7, "minute": 41}
